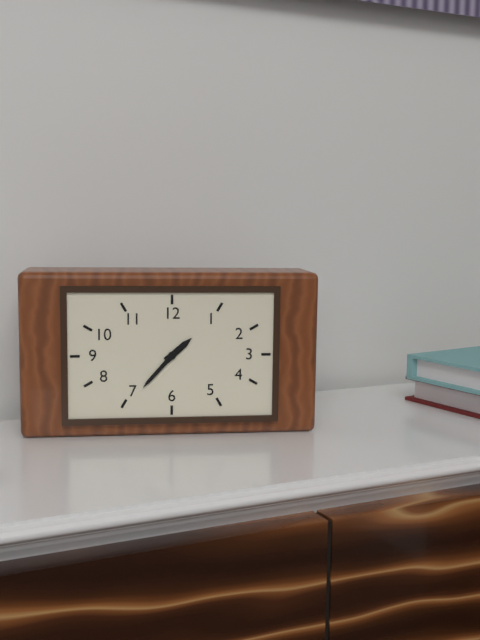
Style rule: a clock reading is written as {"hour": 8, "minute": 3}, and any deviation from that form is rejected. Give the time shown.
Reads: {"hour": 1, "minute": 37}
